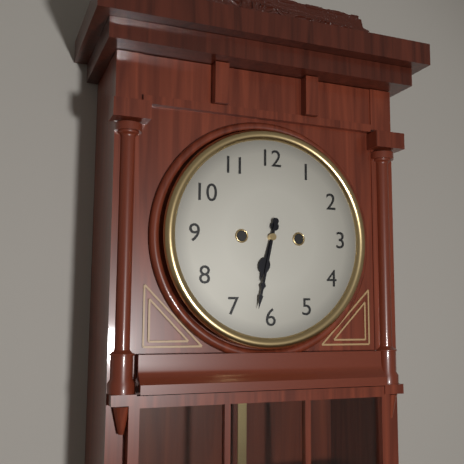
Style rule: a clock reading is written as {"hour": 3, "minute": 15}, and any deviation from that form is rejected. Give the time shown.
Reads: {"hour": 6, "minute": 32}
